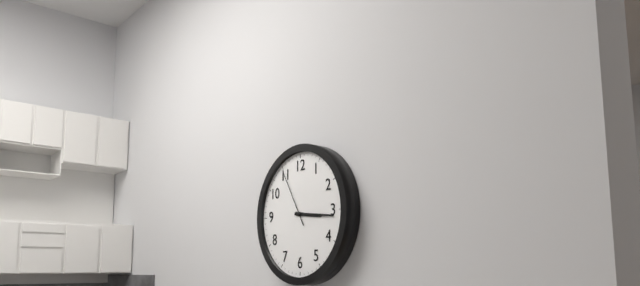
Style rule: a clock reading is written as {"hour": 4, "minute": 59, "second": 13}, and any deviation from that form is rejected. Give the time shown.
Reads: {"hour": 3, "minute": 16, "second": 55}
